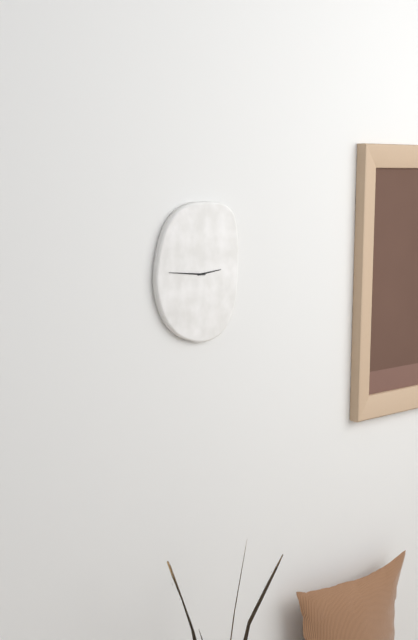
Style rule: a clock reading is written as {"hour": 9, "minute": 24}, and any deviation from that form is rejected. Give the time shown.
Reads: {"hour": 2, "minute": 46}
